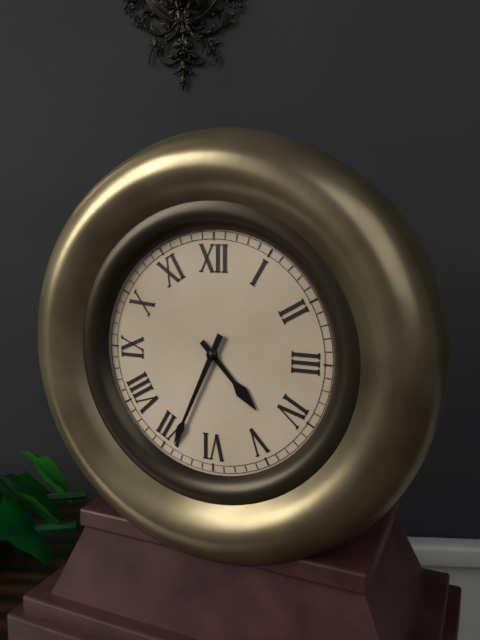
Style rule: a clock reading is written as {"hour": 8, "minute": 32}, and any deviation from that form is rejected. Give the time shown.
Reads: {"hour": 4, "minute": 34}
